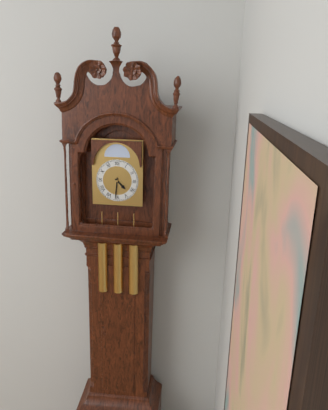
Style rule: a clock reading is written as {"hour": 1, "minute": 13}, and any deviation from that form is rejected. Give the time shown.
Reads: {"hour": 4, "minute": 31}
